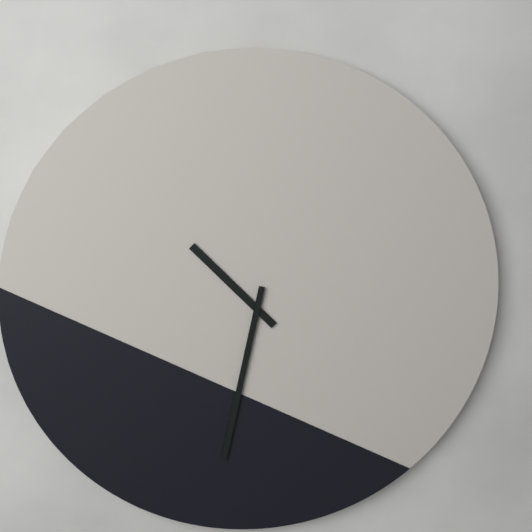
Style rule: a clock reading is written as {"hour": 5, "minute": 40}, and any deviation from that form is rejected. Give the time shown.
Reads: {"hour": 10, "minute": 32}
